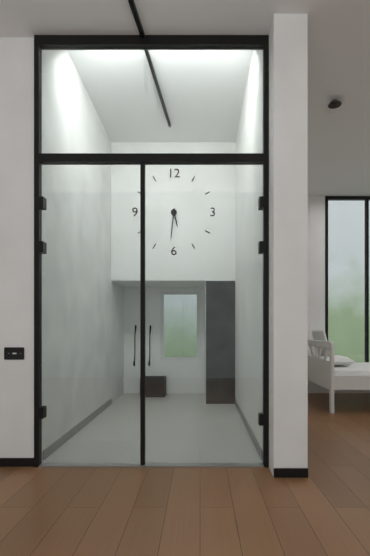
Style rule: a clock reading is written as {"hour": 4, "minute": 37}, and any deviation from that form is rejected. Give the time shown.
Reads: {"hour": 5, "minute": 31}
